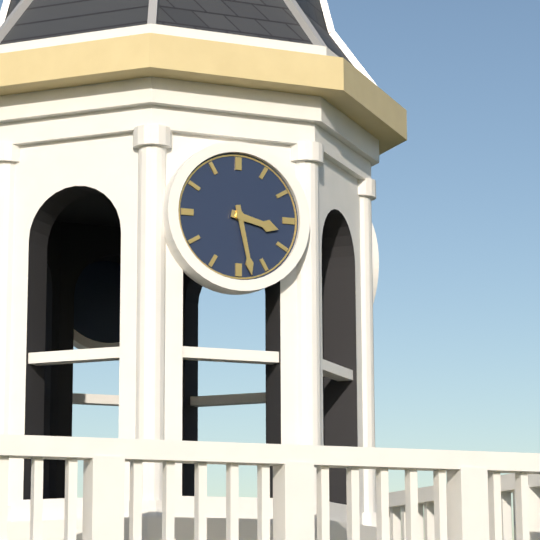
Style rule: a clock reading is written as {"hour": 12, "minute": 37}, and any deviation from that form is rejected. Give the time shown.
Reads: {"hour": 3, "minute": 28}
